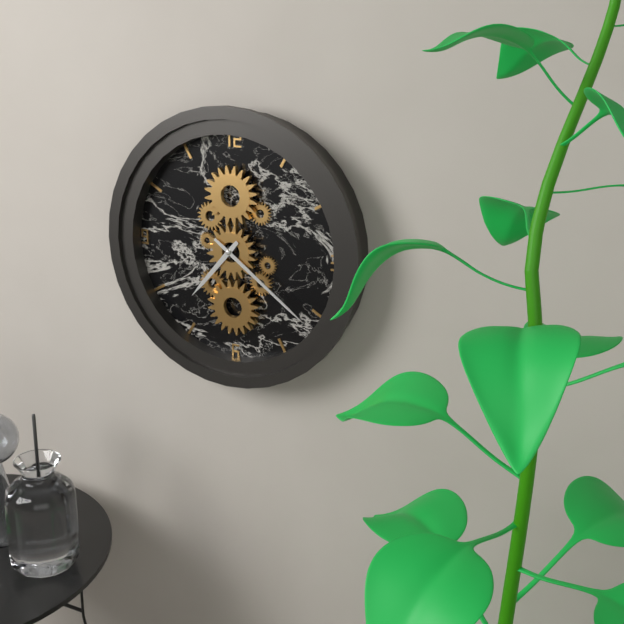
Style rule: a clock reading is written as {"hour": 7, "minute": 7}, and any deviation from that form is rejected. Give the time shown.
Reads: {"hour": 7, "minute": 21}
